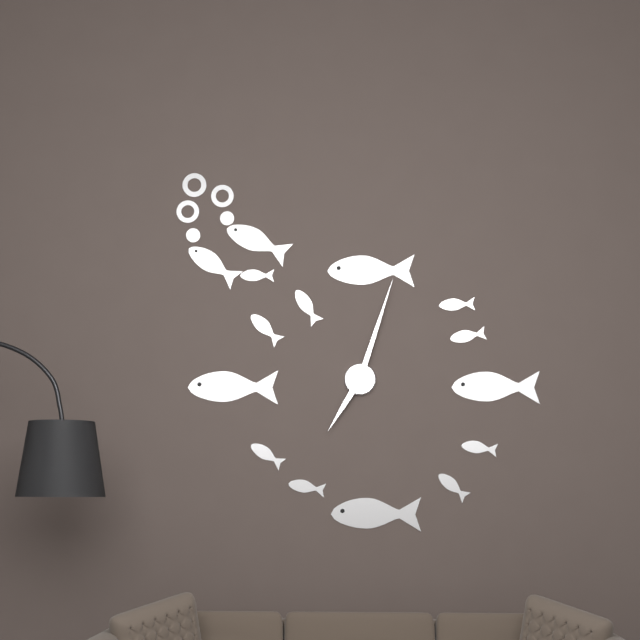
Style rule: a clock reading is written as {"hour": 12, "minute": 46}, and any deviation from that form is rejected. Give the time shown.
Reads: {"hour": 7, "minute": 3}
